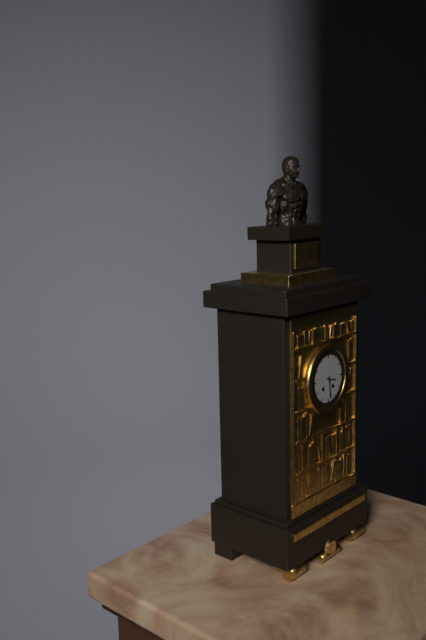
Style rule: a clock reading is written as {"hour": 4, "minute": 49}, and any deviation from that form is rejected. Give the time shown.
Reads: {"hour": 3, "minute": 29}
